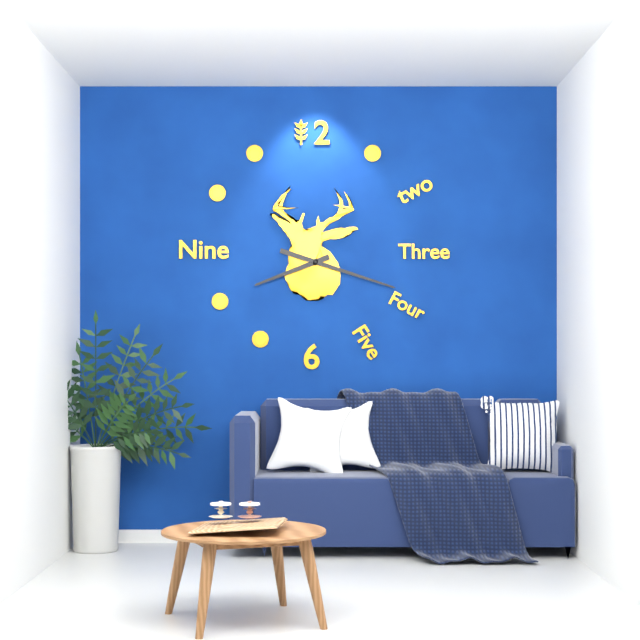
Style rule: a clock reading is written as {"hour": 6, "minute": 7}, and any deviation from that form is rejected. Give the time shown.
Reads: {"hour": 8, "minute": 18}
